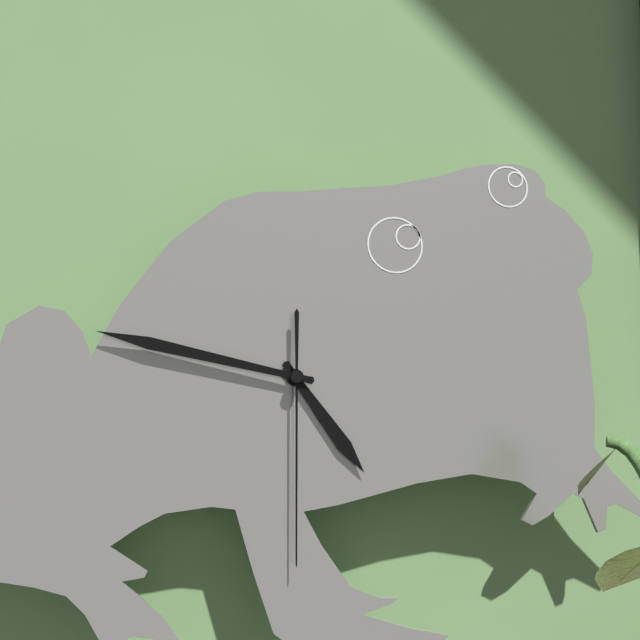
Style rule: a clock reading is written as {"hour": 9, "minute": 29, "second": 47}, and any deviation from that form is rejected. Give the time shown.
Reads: {"hour": 4, "minute": 47, "second": 30}
